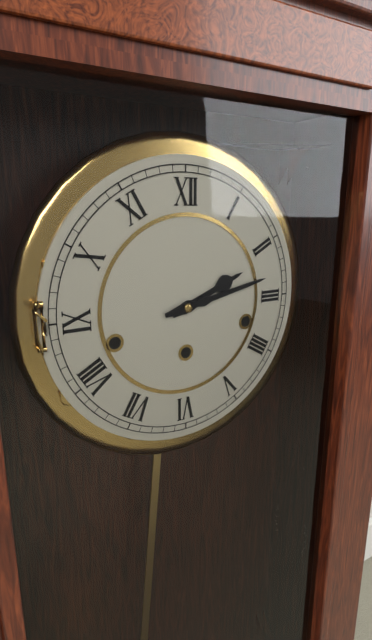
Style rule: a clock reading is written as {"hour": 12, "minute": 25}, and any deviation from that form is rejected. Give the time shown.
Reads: {"hour": 2, "minute": 13}
